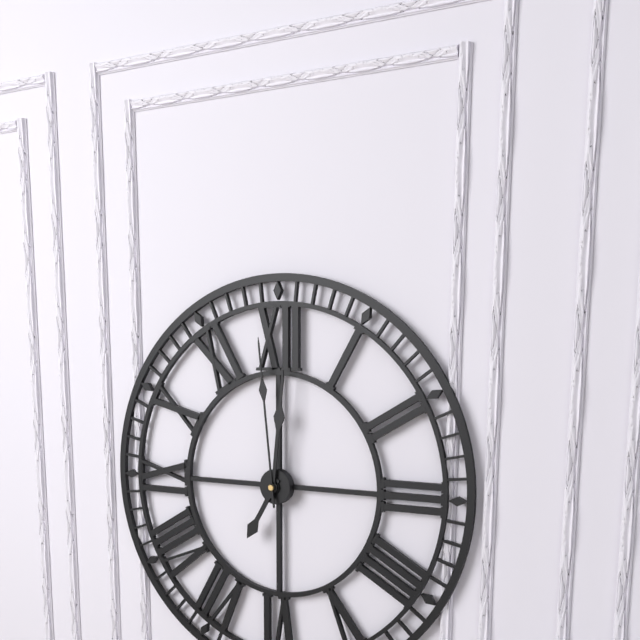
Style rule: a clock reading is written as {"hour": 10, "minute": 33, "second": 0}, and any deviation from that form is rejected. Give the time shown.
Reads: {"hour": 7, "minute": 1, "second": 59}
